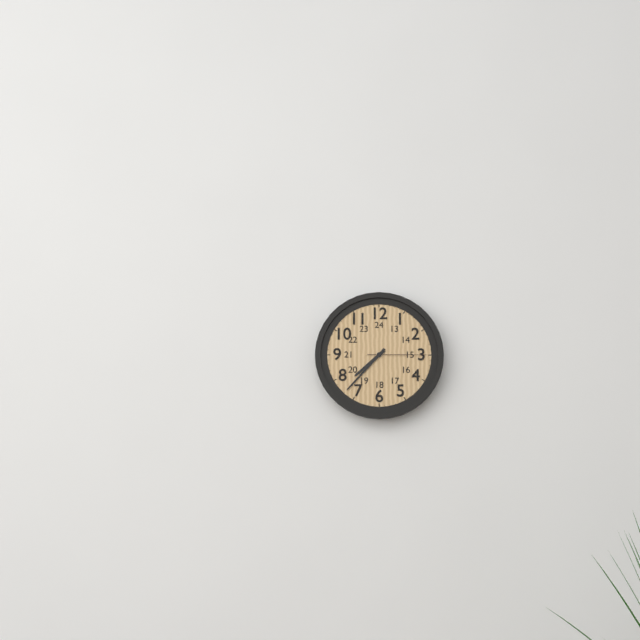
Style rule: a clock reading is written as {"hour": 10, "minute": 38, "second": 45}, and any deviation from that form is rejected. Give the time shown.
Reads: {"hour": 7, "minute": 37, "second": 15}
